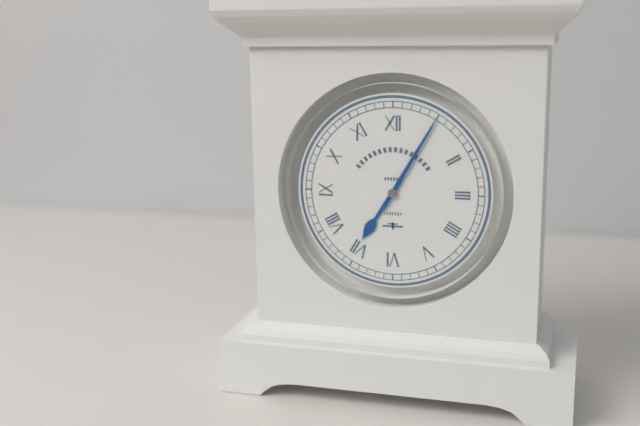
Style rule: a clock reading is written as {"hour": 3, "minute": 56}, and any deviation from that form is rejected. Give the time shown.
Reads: {"hour": 7, "minute": 5}
